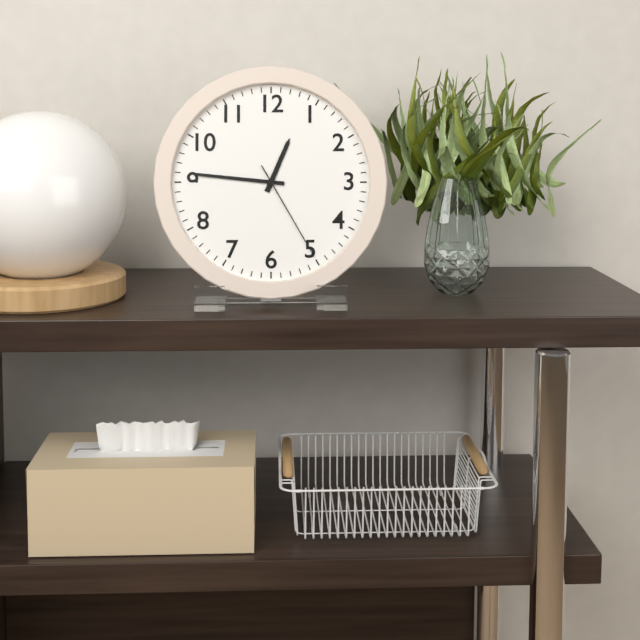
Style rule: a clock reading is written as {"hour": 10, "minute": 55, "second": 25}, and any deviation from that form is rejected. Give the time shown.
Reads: {"hour": 12, "minute": 46, "second": 25}
